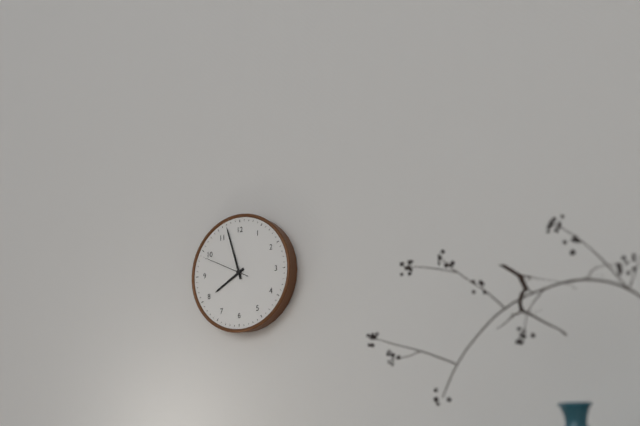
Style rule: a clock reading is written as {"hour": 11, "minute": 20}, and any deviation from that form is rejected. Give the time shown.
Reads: {"hour": 7, "minute": 57}
